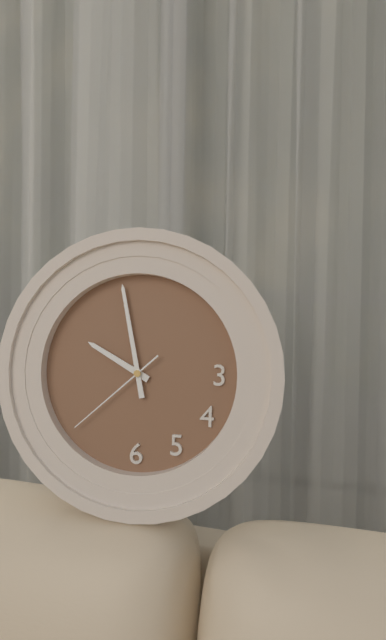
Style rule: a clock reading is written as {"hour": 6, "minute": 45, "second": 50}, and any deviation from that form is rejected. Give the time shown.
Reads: {"hour": 9, "minute": 58, "second": 38}
